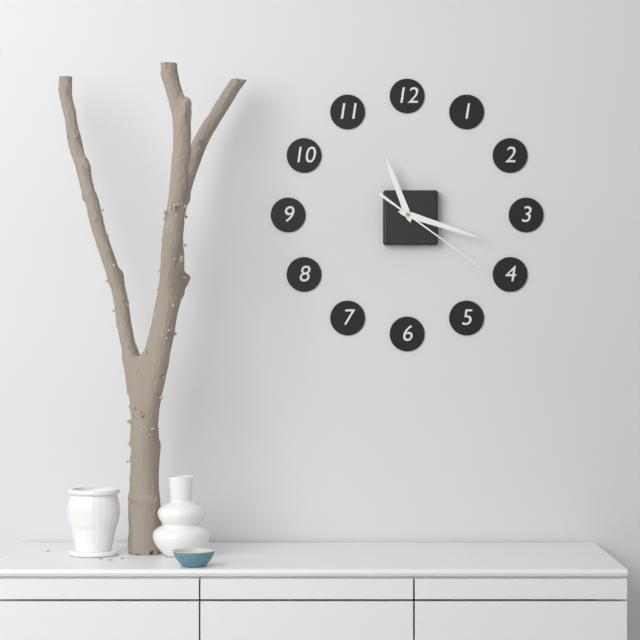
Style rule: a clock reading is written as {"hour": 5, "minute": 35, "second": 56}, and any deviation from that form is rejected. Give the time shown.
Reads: {"hour": 11, "minute": 18, "second": 21}
